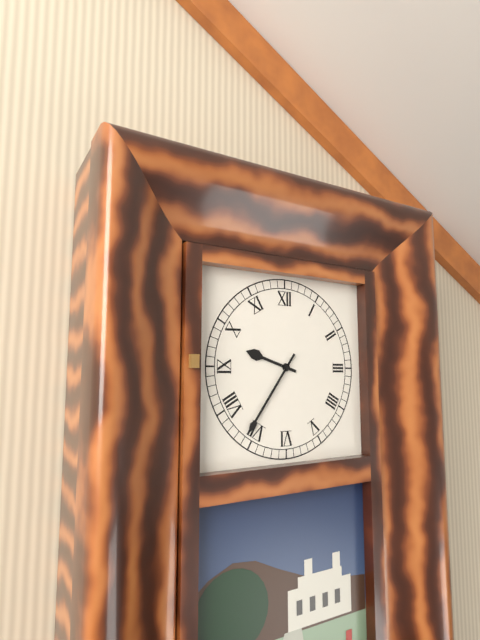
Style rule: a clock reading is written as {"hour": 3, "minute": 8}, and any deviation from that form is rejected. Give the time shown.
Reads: {"hour": 9, "minute": 36}
